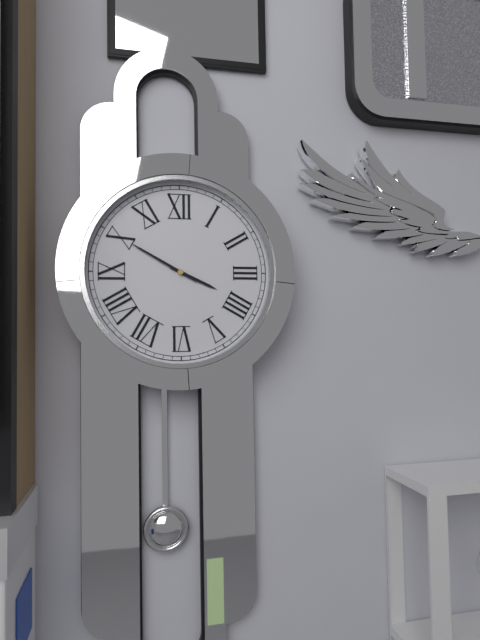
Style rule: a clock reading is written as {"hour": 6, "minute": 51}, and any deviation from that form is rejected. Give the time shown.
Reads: {"hour": 3, "minute": 50}
